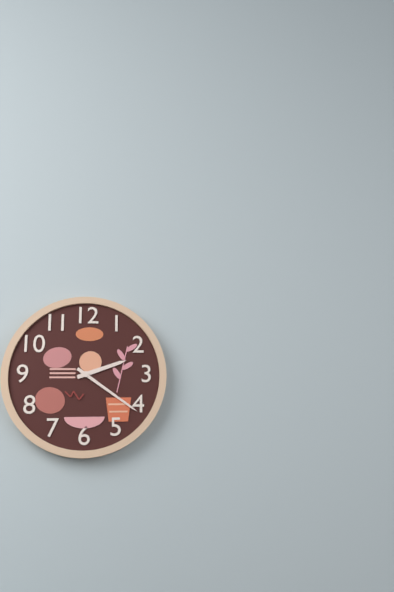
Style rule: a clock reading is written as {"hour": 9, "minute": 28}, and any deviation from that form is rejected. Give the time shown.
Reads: {"hour": 2, "minute": 21}
